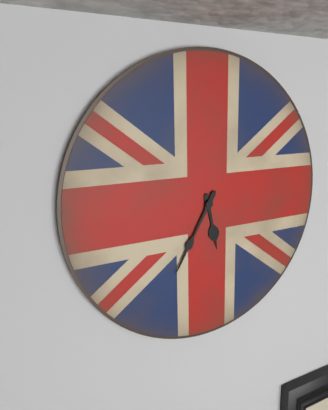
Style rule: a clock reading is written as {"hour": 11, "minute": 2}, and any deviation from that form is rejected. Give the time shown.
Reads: {"hour": 5, "minute": 35}
